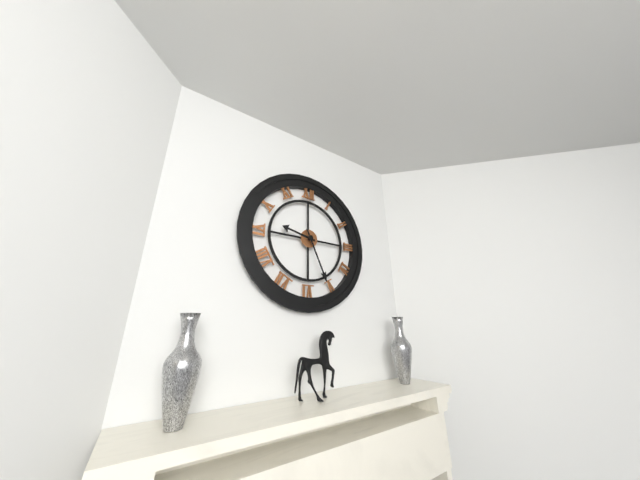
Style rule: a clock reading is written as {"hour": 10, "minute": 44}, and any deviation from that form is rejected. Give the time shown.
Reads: {"hour": 9, "minute": 26}
